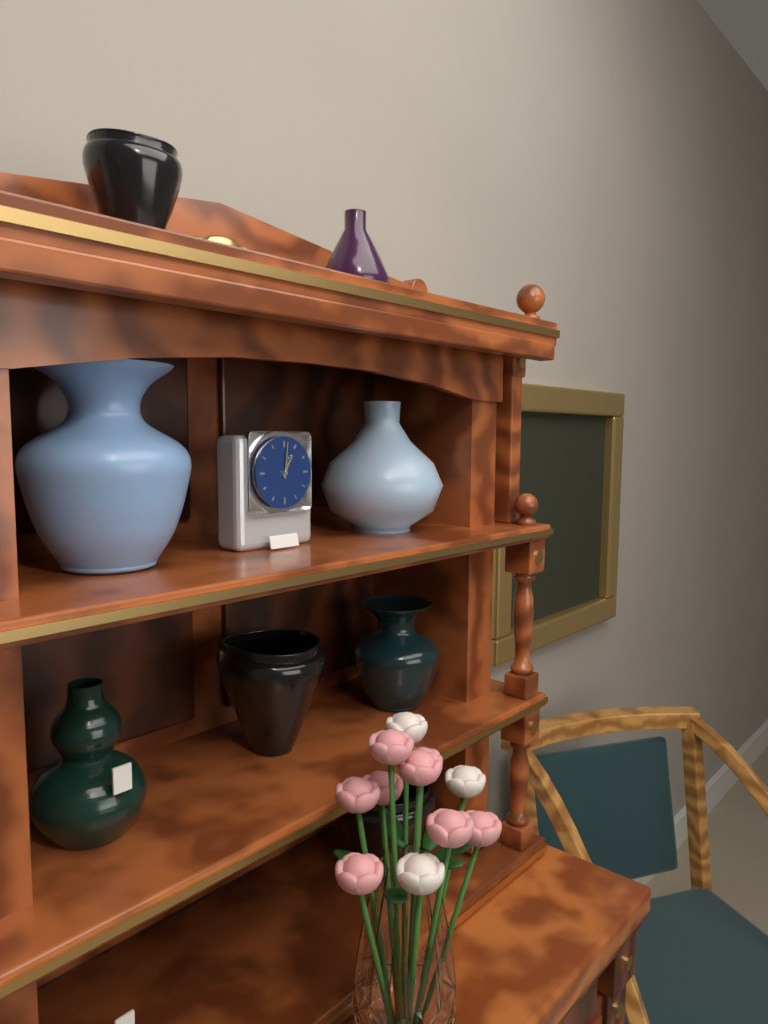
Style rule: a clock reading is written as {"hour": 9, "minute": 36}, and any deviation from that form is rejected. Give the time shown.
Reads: {"hour": 1, "minute": 1}
